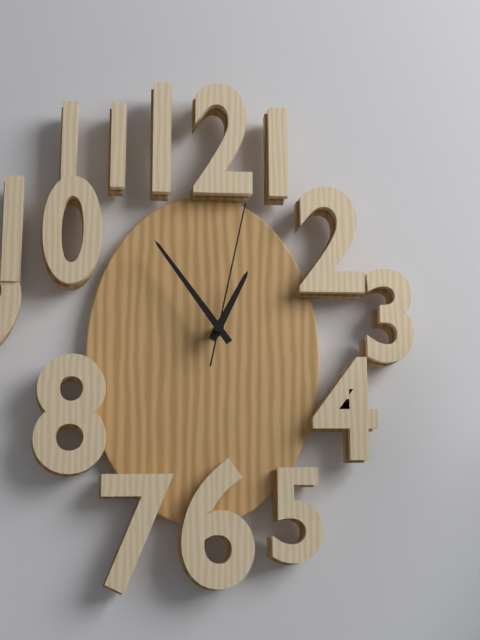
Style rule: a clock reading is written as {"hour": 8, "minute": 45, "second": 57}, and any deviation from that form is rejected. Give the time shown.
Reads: {"hour": 12, "minute": 54, "second": 2}
